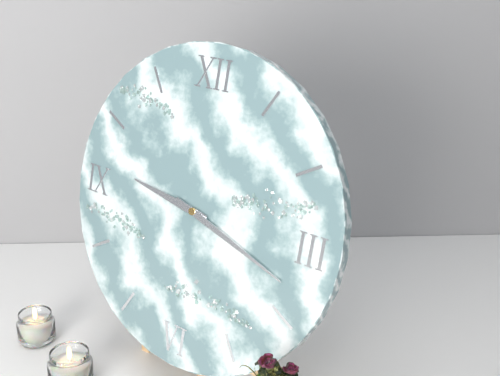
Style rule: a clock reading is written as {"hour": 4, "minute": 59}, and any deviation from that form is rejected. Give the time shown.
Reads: {"hour": 9, "minute": 18}
